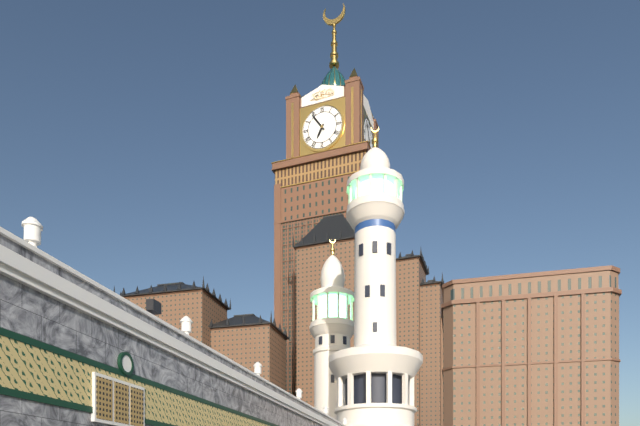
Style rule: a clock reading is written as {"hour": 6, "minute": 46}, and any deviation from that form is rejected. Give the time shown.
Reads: {"hour": 6, "minute": 54}
